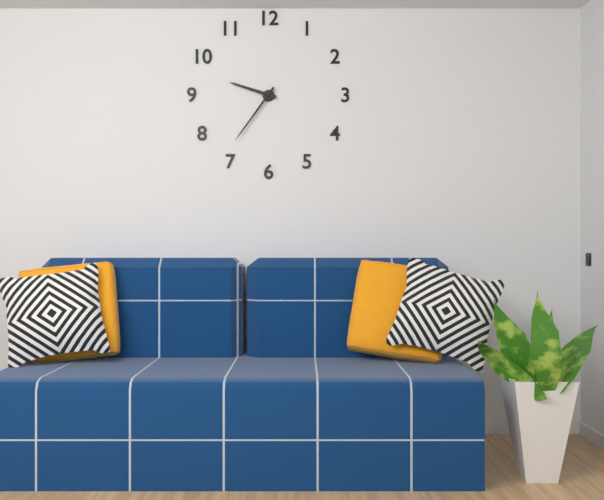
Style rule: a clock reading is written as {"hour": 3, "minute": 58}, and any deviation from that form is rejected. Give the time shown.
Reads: {"hour": 9, "minute": 36}
